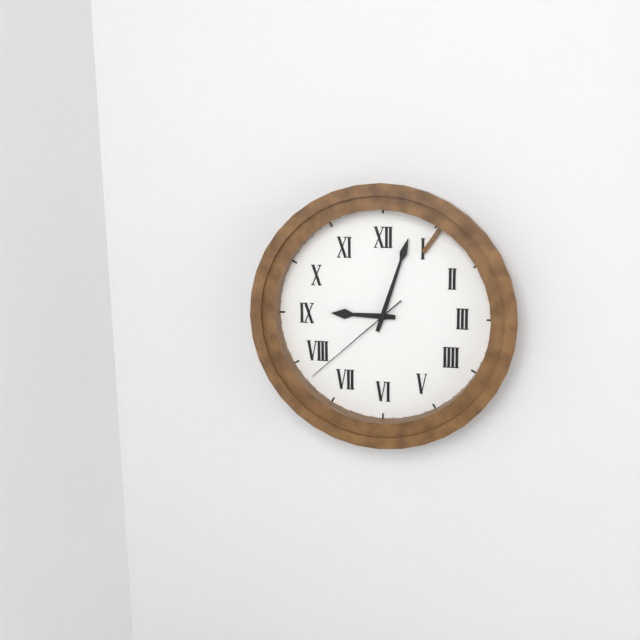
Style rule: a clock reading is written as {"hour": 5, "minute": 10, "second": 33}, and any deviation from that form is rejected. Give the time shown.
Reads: {"hour": 9, "minute": 3, "second": 38}
